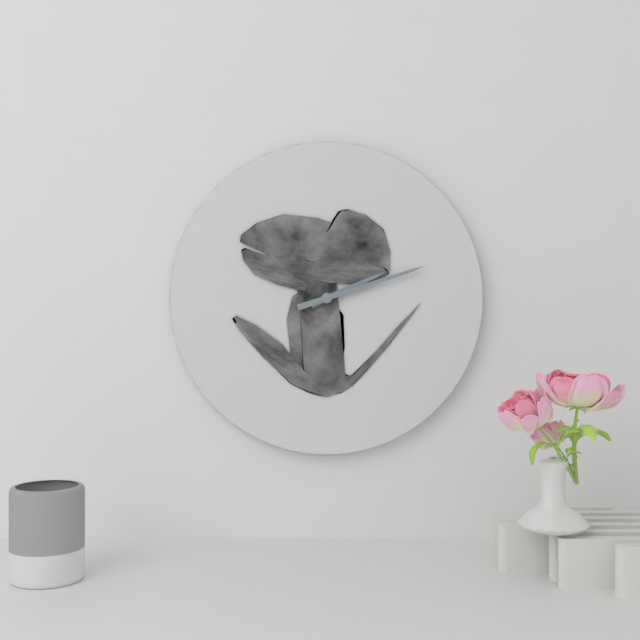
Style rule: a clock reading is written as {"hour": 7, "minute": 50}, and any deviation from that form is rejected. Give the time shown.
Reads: {"hour": 2, "minute": 12}
